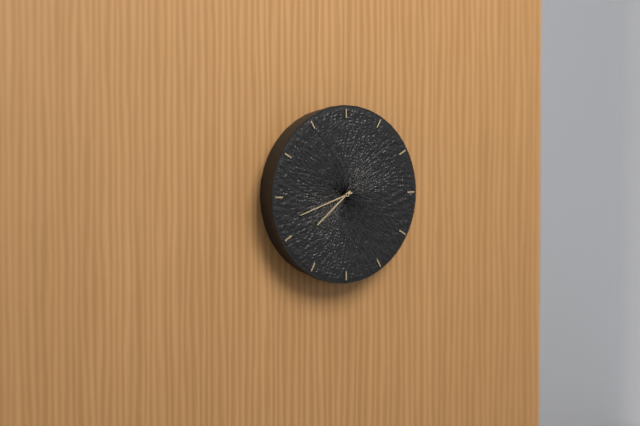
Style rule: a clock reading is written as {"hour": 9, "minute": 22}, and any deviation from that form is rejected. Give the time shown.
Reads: {"hour": 7, "minute": 42}
